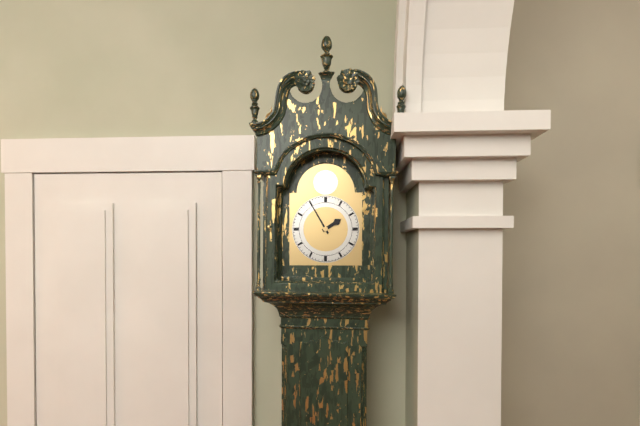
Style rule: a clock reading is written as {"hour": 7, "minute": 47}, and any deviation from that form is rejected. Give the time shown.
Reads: {"hour": 1, "minute": 55}
